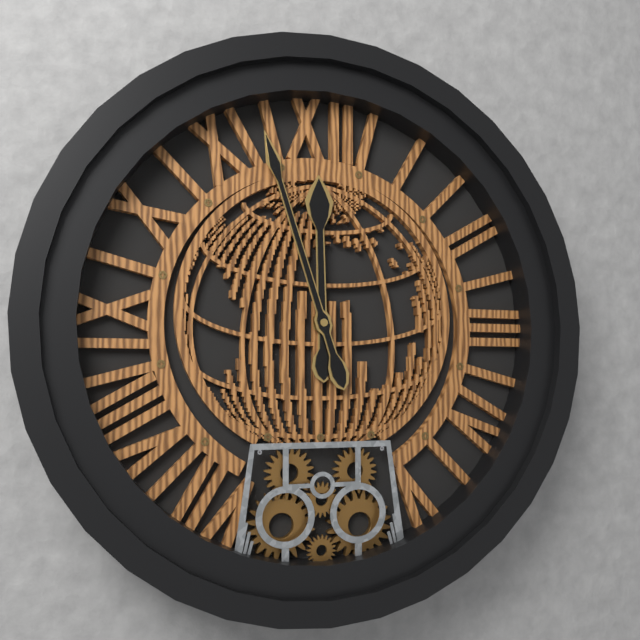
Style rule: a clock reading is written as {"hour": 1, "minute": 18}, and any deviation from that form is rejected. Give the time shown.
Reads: {"hour": 11, "minute": 57}
